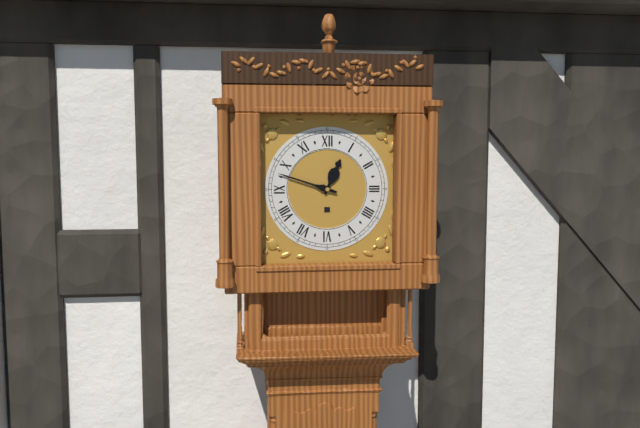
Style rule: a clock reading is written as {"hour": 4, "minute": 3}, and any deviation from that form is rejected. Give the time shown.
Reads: {"hour": 12, "minute": 48}
